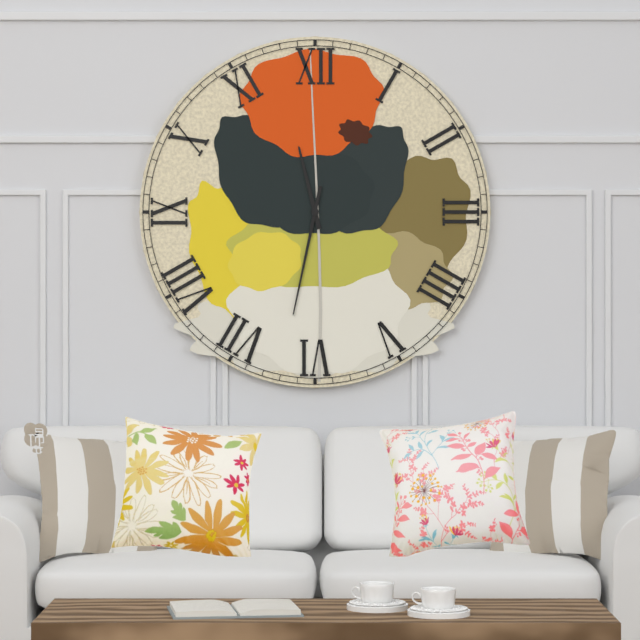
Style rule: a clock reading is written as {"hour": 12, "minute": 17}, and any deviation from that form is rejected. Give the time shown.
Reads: {"hour": 11, "minute": 32}
